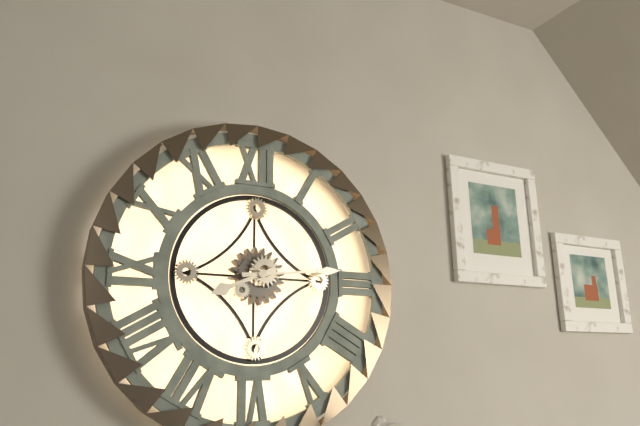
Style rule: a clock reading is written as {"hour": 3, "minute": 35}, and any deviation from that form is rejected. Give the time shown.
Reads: {"hour": 8, "minute": 14}
